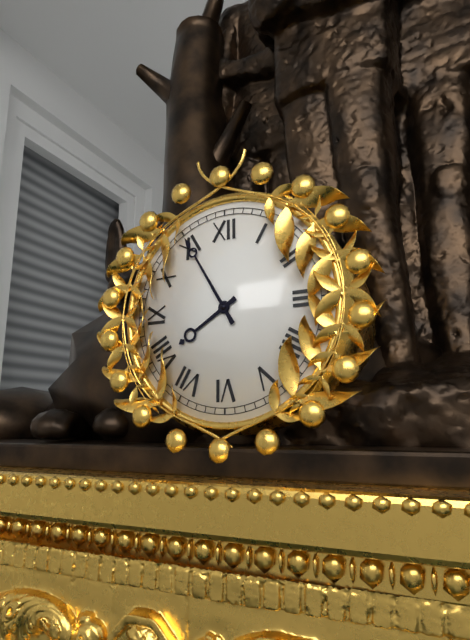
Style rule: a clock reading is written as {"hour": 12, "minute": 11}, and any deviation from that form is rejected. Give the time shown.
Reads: {"hour": 7, "minute": 55}
